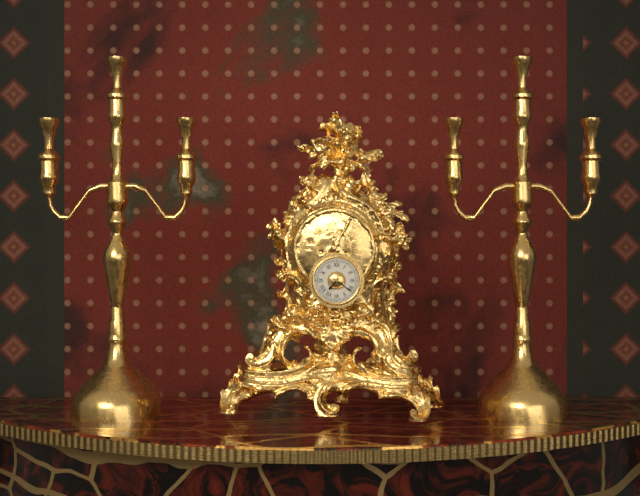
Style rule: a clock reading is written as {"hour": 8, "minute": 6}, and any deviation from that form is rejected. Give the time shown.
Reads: {"hour": 7, "minute": 21}
